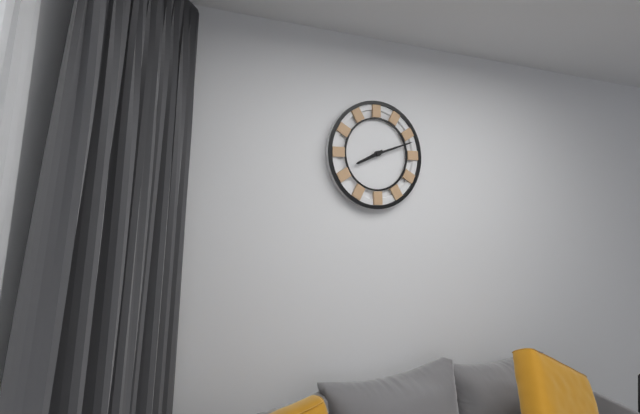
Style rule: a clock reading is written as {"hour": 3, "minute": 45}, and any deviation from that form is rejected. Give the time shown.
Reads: {"hour": 8, "minute": 12}
